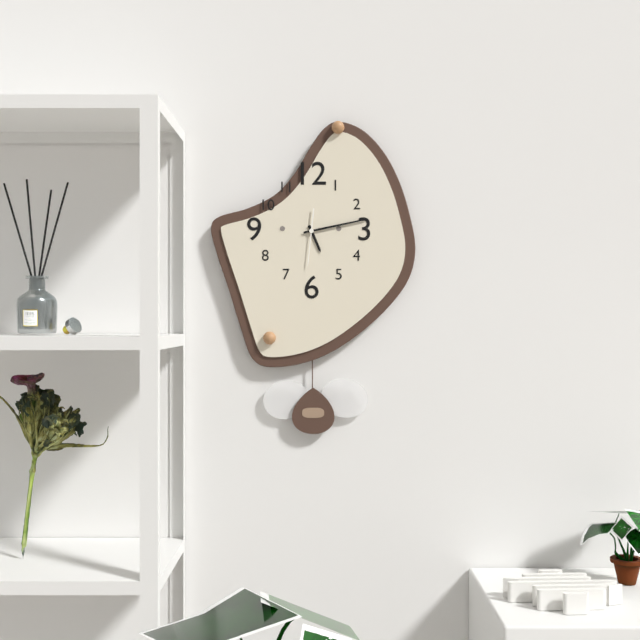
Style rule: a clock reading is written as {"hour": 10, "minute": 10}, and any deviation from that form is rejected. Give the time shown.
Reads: {"hour": 5, "minute": 13}
